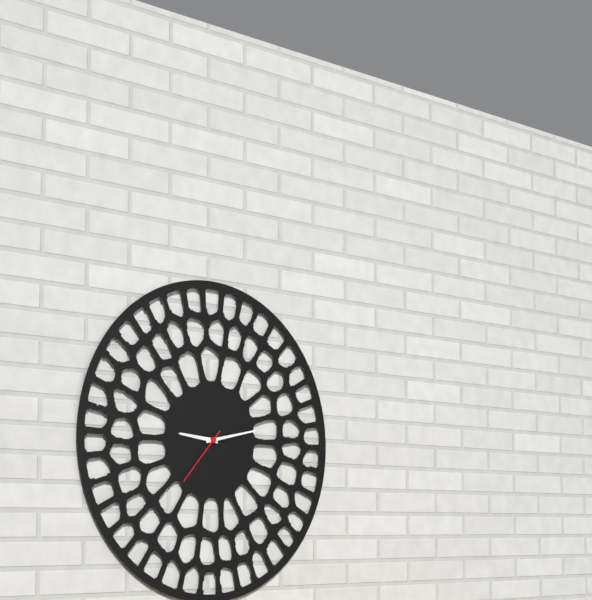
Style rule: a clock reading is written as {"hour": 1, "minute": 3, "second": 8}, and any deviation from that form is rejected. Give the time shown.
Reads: {"hour": 9, "minute": 13, "second": 37}
